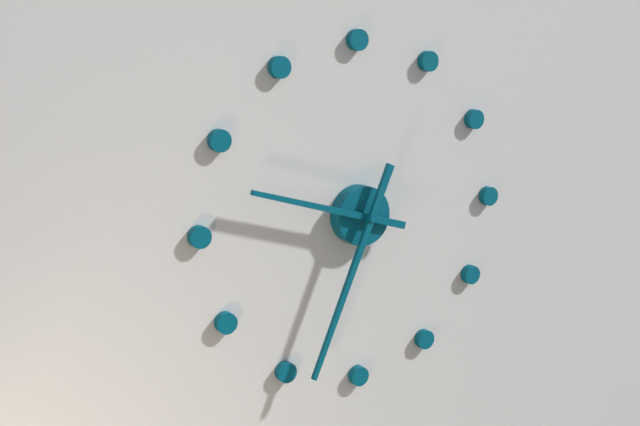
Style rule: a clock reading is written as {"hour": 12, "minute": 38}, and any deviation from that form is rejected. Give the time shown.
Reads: {"hour": 9, "minute": 34}
